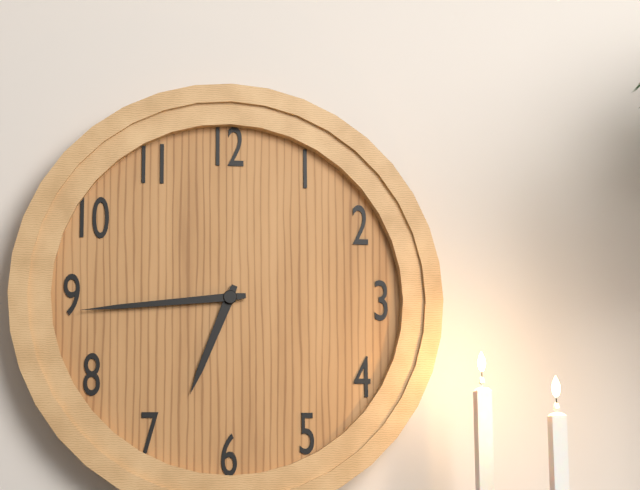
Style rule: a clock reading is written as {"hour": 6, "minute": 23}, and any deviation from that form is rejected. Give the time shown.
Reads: {"hour": 6, "minute": 44}
